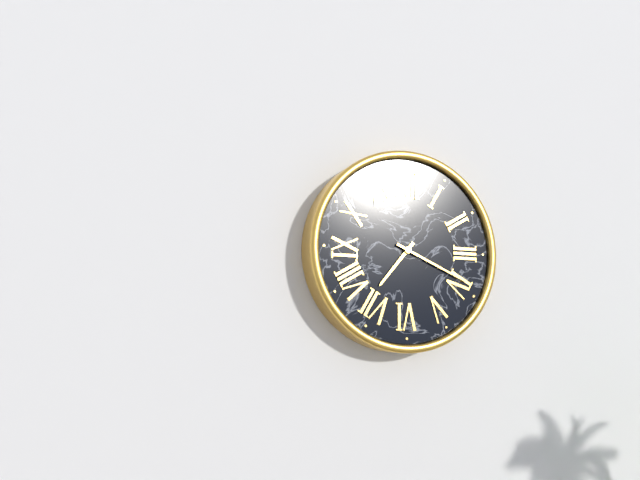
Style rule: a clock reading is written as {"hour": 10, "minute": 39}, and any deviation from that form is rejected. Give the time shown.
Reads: {"hour": 7, "minute": 19}
